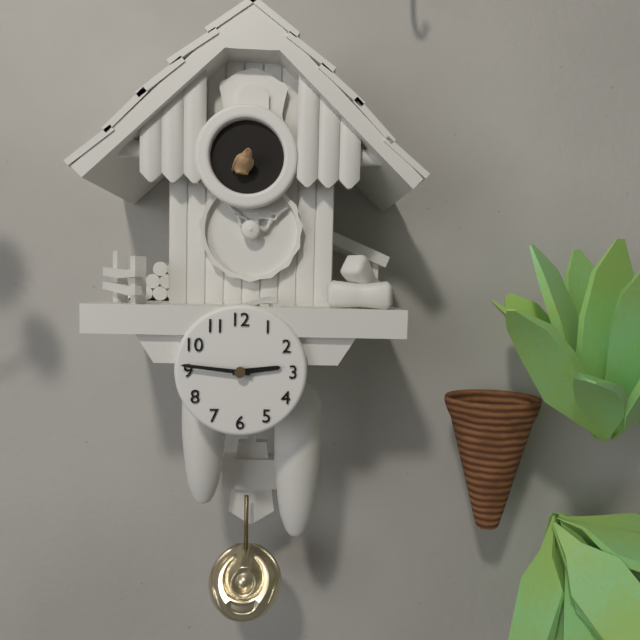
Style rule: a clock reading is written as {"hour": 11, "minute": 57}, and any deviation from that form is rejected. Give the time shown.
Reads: {"hour": 2, "minute": 46}
